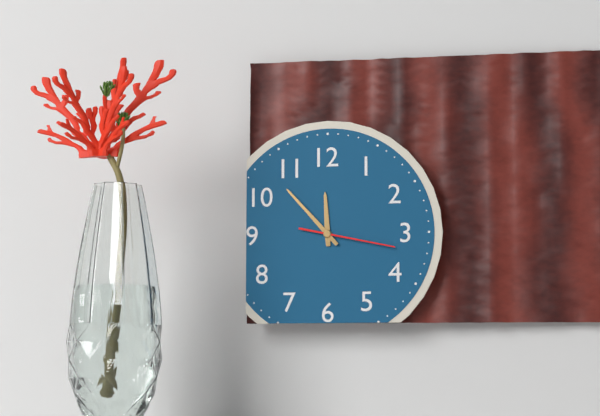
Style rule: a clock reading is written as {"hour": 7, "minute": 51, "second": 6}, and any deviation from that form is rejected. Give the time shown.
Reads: {"hour": 11, "minute": 53, "second": 17}
